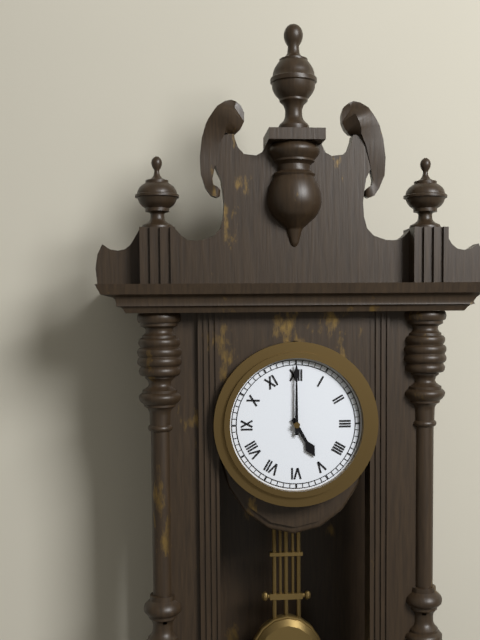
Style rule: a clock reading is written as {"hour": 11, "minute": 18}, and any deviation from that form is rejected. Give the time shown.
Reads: {"hour": 5, "minute": 0}
